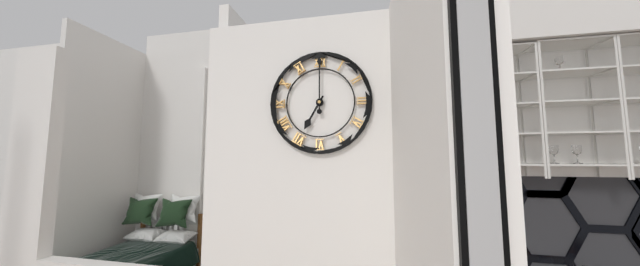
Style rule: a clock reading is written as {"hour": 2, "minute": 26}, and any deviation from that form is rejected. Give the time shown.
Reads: {"hour": 7, "minute": 0}
